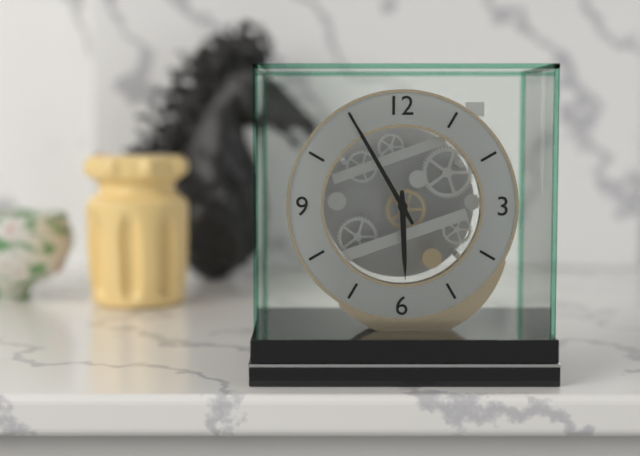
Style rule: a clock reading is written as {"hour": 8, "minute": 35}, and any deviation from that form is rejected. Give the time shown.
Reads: {"hour": 5, "minute": 55}
